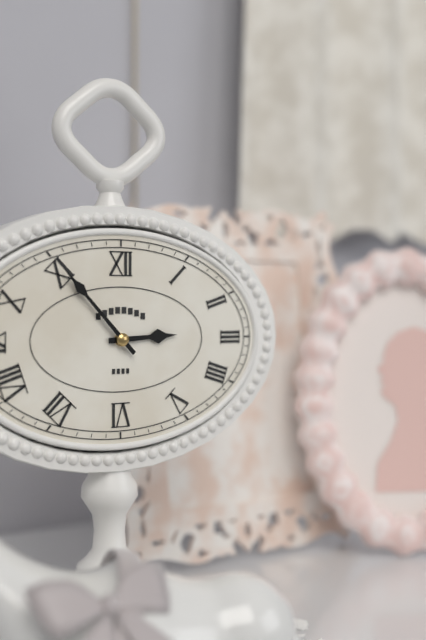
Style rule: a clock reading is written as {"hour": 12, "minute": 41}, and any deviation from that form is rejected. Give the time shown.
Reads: {"hour": 2, "minute": 53}
